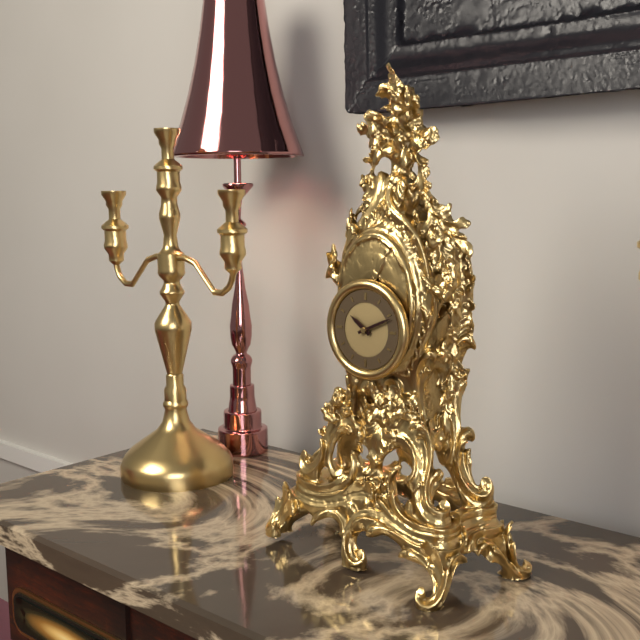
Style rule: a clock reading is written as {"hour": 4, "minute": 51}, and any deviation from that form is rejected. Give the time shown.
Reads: {"hour": 10, "minute": 11}
